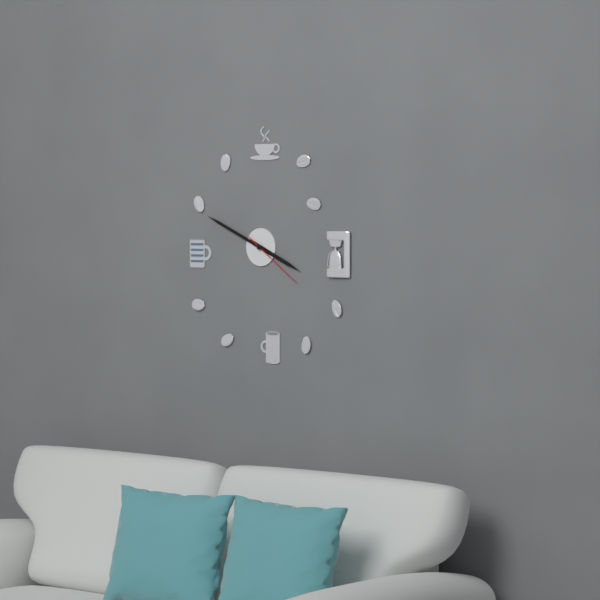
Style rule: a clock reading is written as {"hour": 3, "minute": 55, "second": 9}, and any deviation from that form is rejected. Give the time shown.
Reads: {"hour": 3, "minute": 49, "second": 21}
